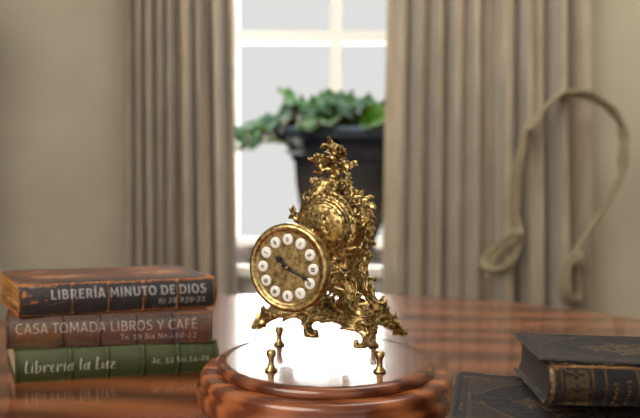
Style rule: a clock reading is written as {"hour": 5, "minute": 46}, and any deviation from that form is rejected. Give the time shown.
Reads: {"hour": 10, "minute": 19}
